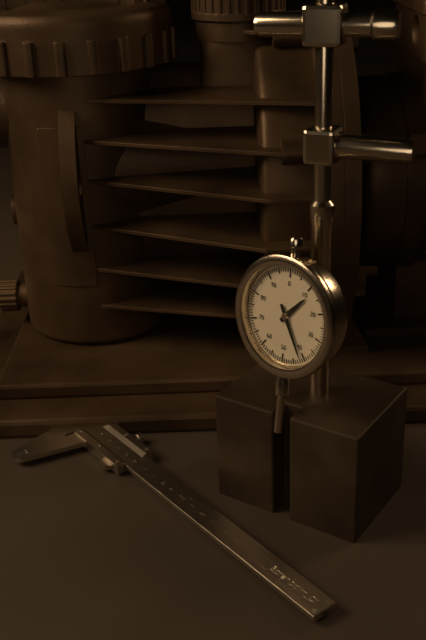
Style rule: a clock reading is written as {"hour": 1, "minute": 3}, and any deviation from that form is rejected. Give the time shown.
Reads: {"hour": 1, "minute": 25}
